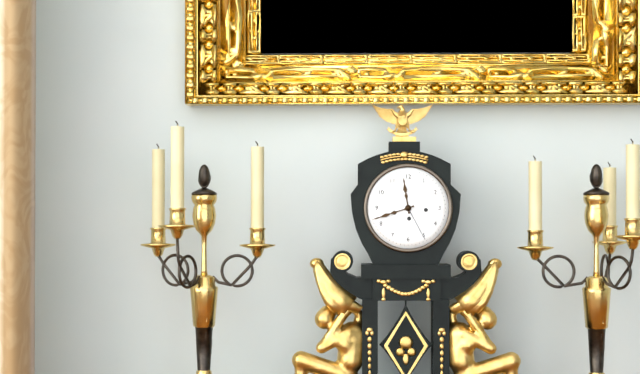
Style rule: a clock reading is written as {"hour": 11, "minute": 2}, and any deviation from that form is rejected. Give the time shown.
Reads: {"hour": 11, "minute": 42}
